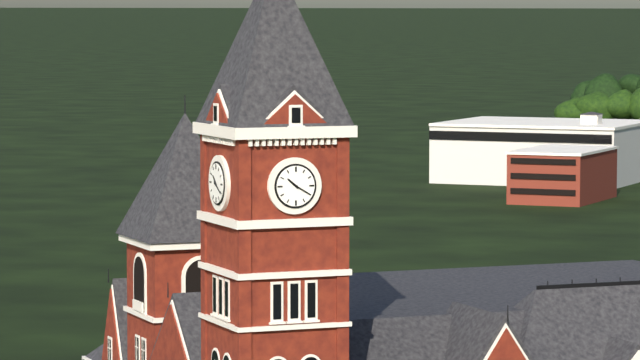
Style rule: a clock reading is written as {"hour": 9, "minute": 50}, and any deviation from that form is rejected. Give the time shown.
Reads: {"hour": 10, "minute": 20}
